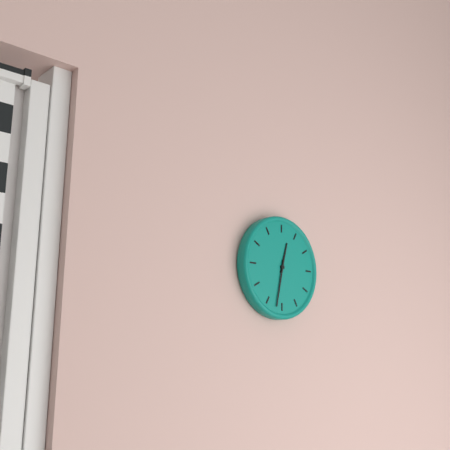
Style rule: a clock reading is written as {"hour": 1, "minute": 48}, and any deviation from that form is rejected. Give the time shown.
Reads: {"hour": 12, "minute": 32}
